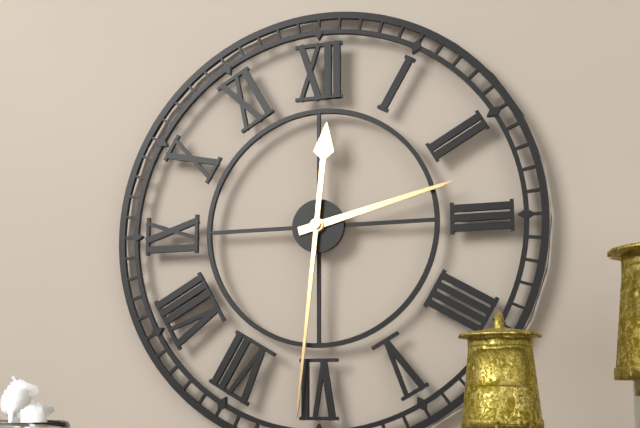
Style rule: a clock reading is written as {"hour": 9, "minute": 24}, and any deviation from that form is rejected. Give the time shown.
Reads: {"hour": 2, "minute": 31}
